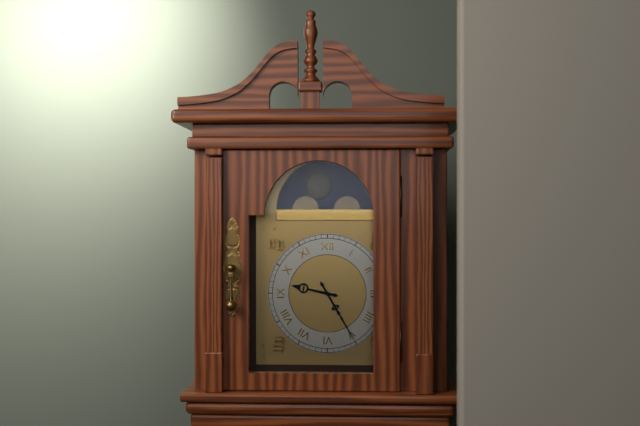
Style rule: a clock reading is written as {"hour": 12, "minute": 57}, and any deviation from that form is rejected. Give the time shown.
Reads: {"hour": 9, "minute": 25}
